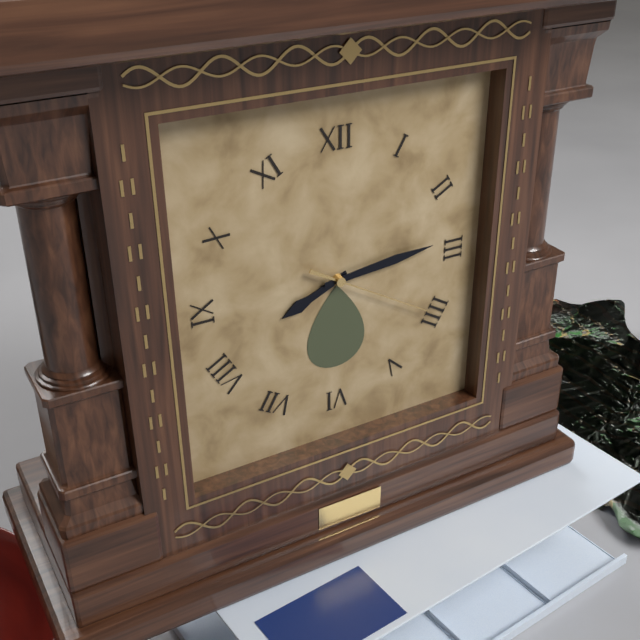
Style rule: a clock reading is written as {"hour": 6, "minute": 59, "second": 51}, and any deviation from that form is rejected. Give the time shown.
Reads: {"hour": 8, "minute": 14, "second": 20}
